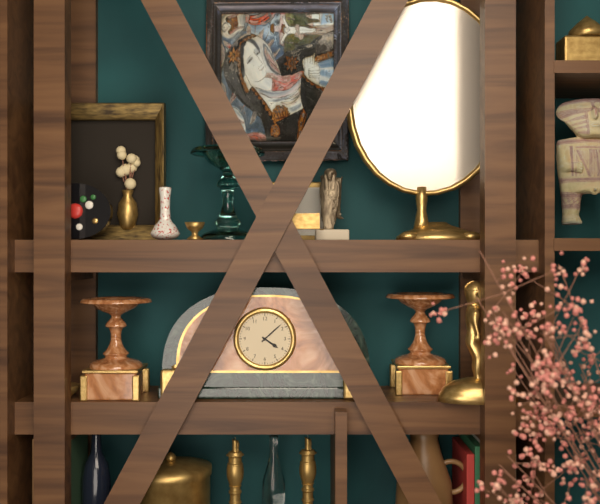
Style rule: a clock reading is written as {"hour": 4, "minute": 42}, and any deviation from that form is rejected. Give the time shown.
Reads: {"hour": 4, "minute": 8}
